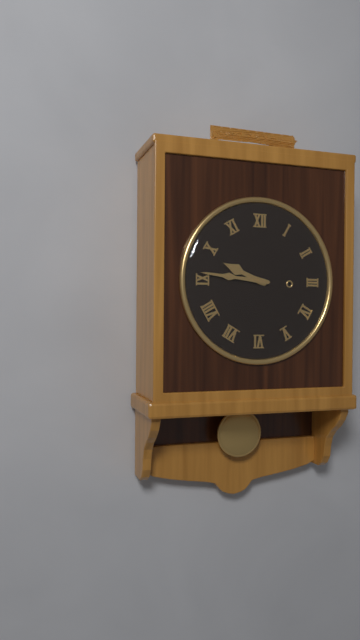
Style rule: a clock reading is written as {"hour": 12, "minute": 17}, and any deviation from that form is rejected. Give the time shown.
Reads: {"hour": 9, "minute": 46}
